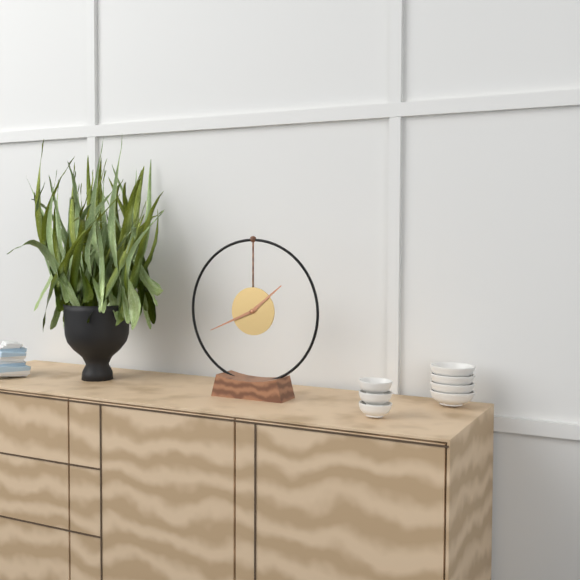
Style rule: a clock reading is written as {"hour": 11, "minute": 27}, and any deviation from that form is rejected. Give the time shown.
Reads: {"hour": 1, "minute": 41}
